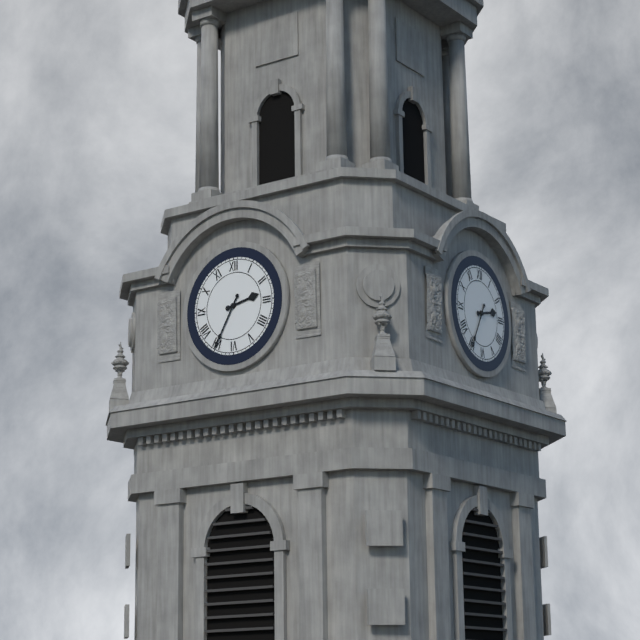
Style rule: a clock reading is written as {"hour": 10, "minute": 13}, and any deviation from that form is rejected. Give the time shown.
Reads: {"hour": 2, "minute": 35}
